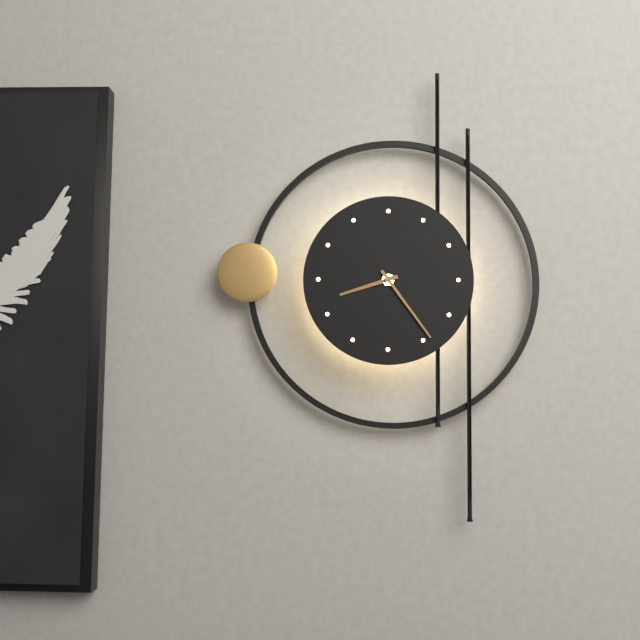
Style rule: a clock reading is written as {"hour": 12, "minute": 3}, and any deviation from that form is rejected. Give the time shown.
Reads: {"hour": 8, "minute": 24}
